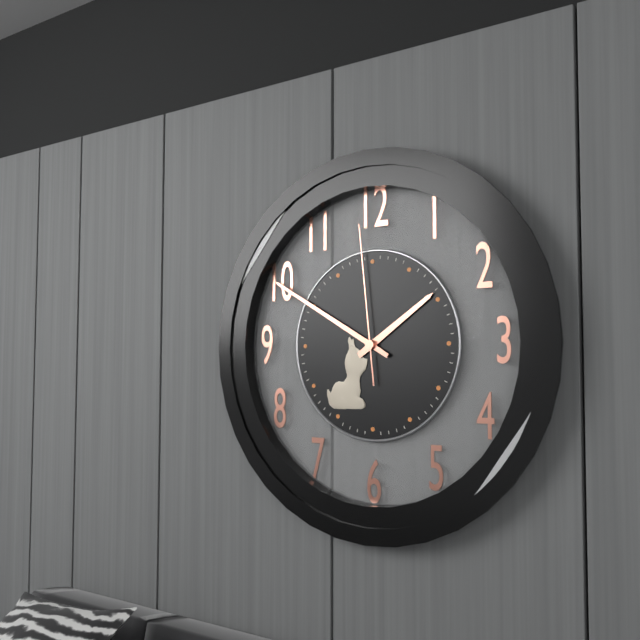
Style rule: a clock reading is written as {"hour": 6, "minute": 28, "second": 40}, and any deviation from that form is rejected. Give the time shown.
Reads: {"hour": 1, "minute": 50, "second": 59}
